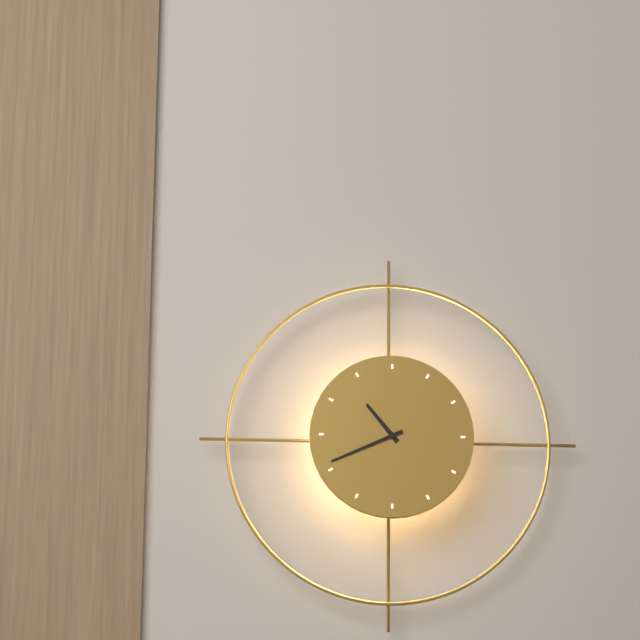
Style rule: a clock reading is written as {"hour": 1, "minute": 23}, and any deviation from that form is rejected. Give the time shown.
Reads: {"hour": 10, "minute": 41}
